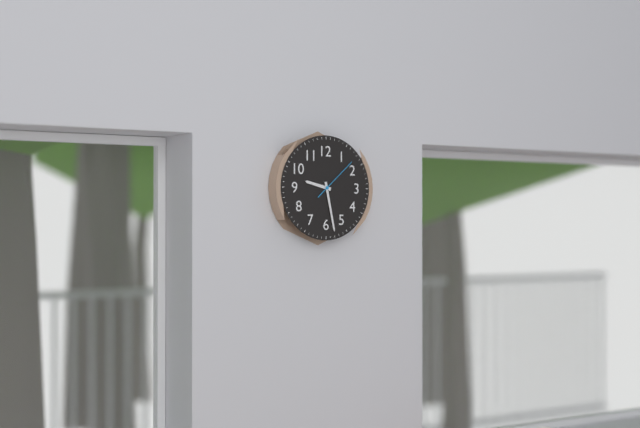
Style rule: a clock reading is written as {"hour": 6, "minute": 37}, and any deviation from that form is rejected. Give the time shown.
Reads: {"hour": 9, "minute": 28}
